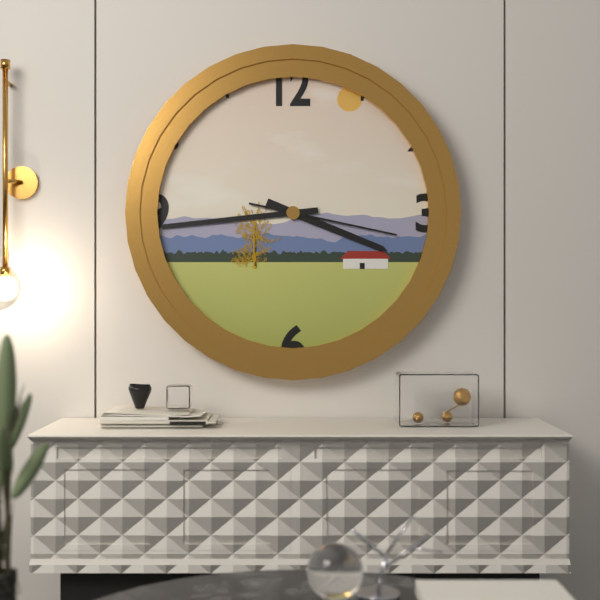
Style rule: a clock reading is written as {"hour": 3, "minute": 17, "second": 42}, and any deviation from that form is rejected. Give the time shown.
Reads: {"hour": 3, "minute": 44, "second": 17}
